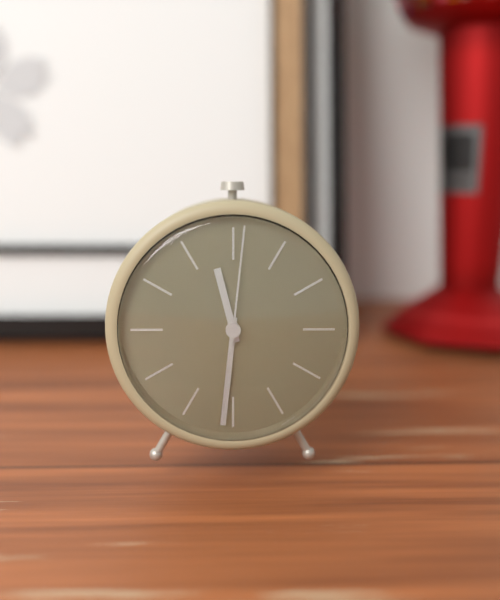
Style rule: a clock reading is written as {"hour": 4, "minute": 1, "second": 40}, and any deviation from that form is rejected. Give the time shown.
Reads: {"hour": 11, "minute": 31, "second": 1}
